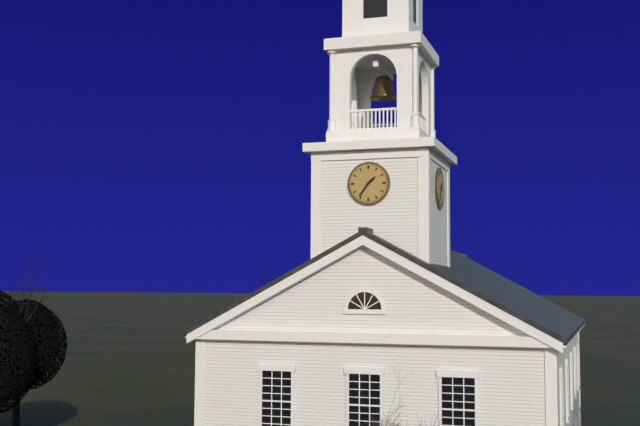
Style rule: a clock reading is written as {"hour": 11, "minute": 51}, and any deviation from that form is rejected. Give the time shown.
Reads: {"hour": 1, "minute": 36}
